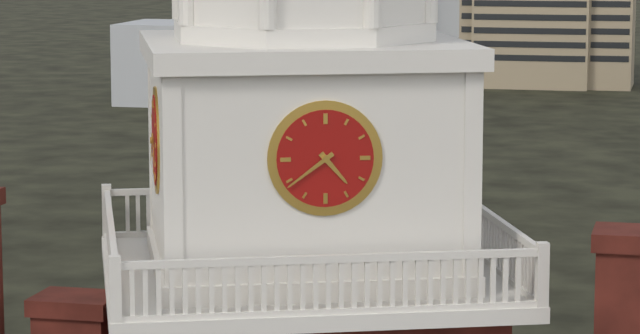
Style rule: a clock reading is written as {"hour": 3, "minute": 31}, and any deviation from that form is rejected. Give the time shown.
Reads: {"hour": 4, "minute": 39}
